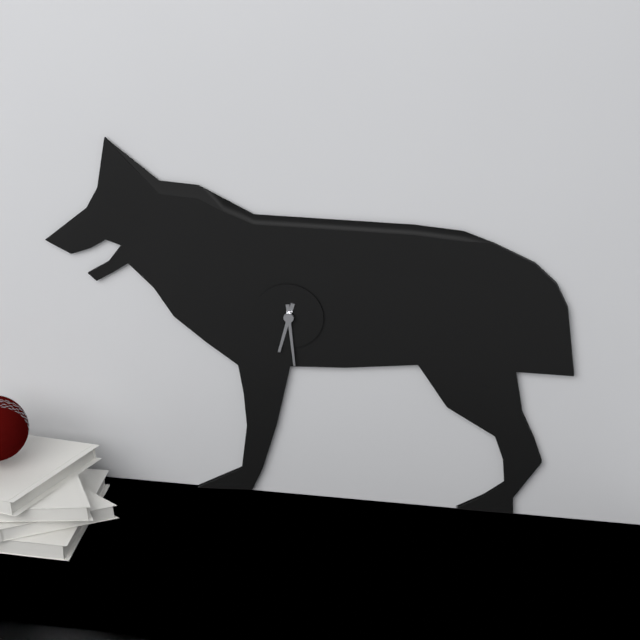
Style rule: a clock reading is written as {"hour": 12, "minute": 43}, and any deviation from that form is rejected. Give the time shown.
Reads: {"hour": 6, "minute": 29}
